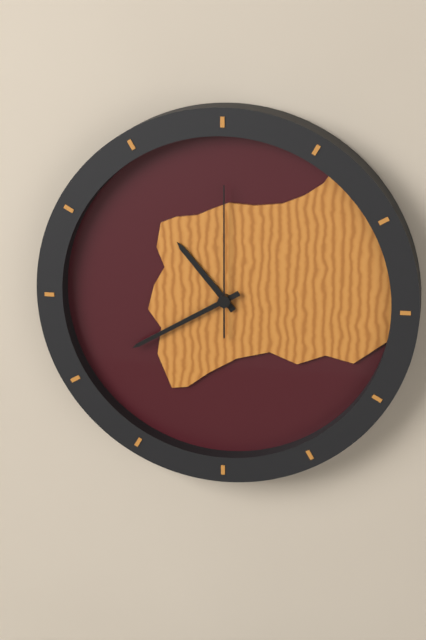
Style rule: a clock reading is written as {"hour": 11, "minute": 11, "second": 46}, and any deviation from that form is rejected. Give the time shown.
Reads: {"hour": 10, "minute": 40, "second": 0}
